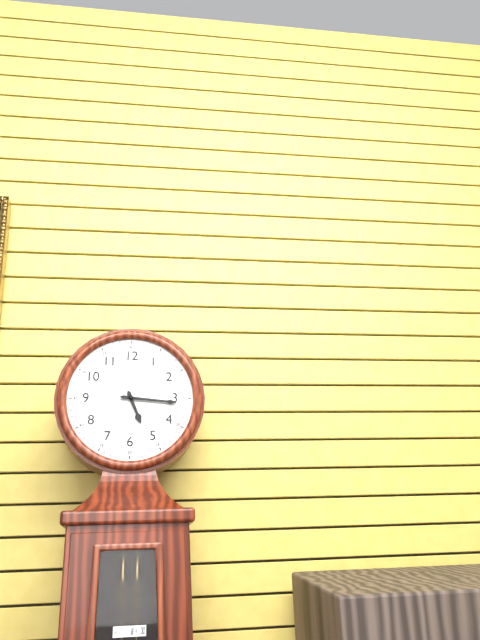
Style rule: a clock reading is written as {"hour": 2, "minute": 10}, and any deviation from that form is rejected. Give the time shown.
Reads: {"hour": 5, "minute": 16}
